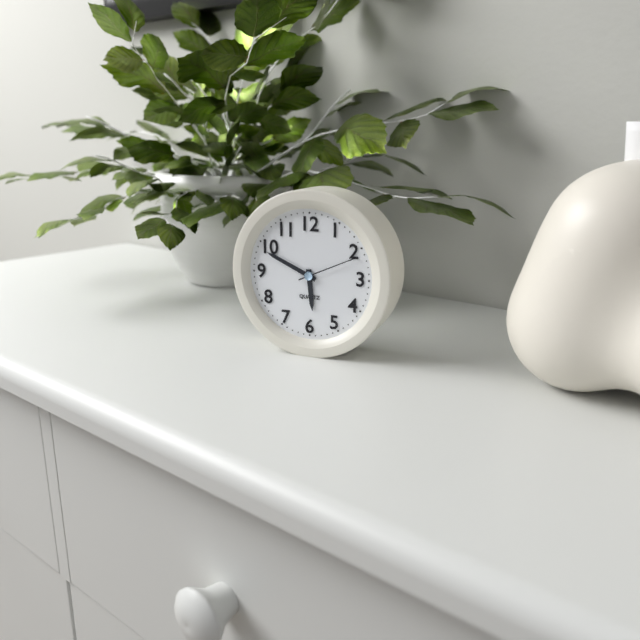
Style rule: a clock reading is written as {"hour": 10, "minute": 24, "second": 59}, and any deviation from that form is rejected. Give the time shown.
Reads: {"hour": 5, "minute": 49, "second": 11}
